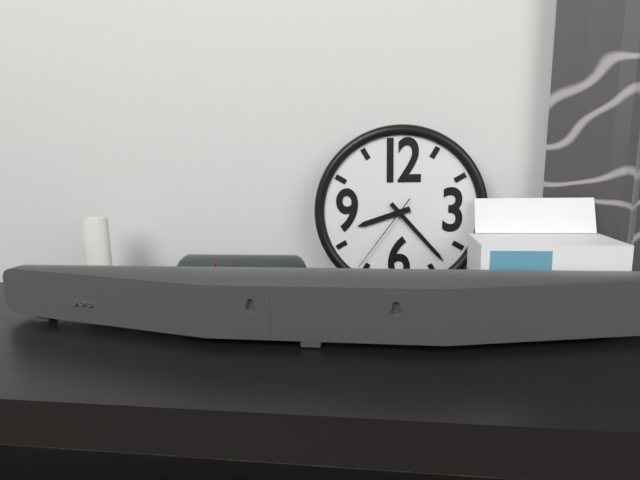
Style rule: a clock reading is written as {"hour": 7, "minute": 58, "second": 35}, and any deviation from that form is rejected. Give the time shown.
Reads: {"hour": 8, "minute": 23, "second": 36}
